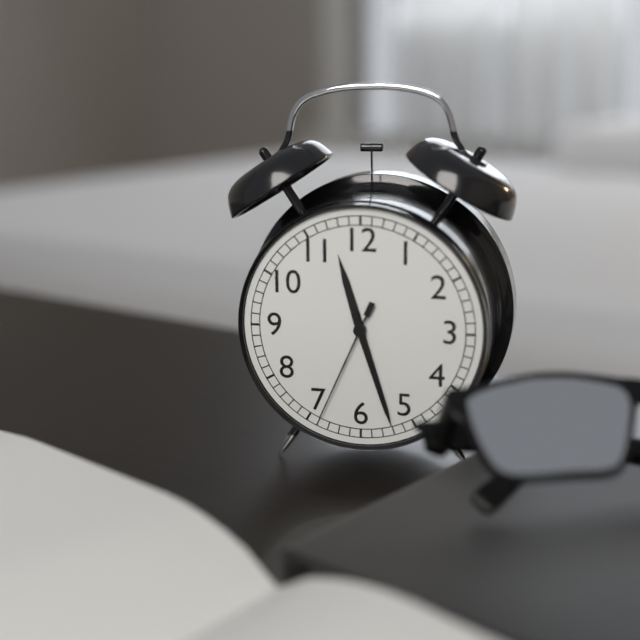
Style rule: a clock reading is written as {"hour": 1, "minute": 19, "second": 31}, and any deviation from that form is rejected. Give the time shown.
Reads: {"hour": 11, "minute": 27, "second": 34}
